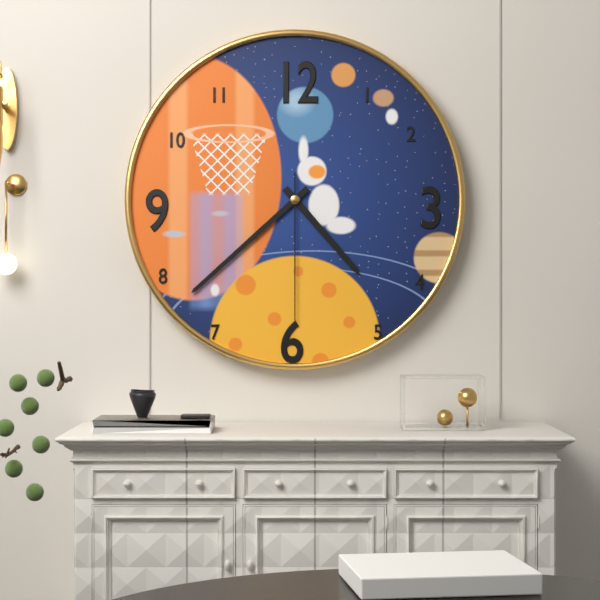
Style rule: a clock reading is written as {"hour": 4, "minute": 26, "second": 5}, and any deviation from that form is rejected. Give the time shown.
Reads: {"hour": 4, "minute": 38, "second": 30}
